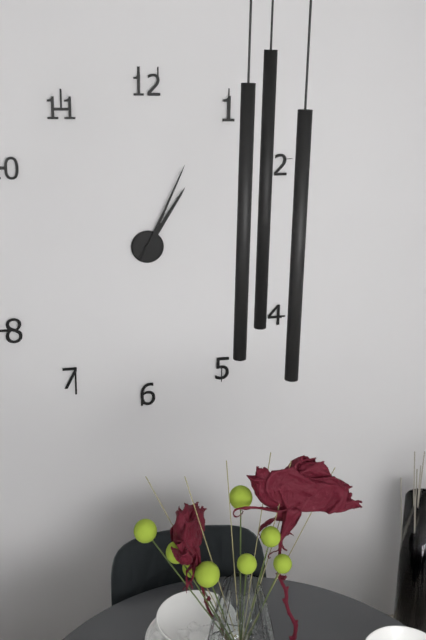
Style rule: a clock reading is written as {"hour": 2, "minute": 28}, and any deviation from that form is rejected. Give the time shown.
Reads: {"hour": 1, "minute": 4}
